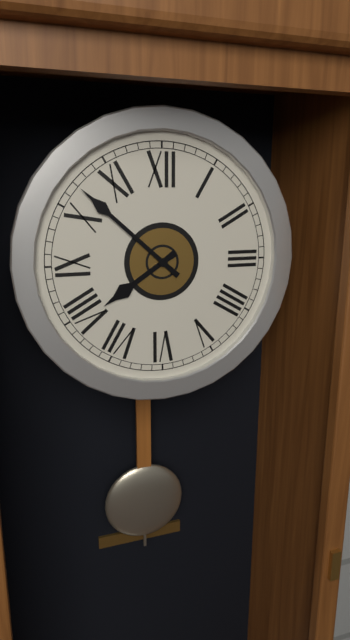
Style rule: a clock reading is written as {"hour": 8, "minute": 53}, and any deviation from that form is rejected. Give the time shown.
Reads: {"hour": 7, "minute": 52}
